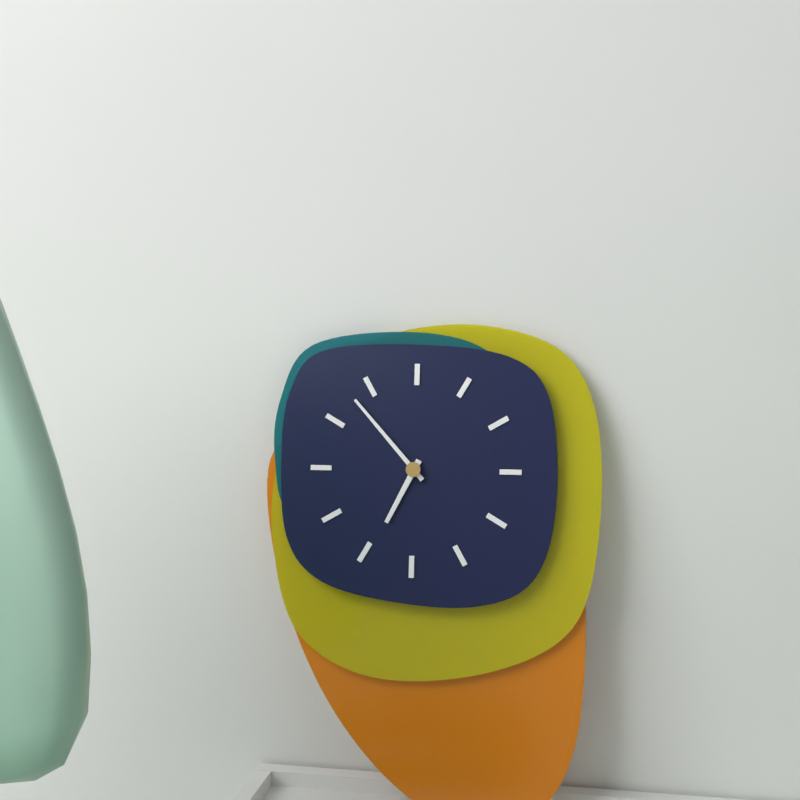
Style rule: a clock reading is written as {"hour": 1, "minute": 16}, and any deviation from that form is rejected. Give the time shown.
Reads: {"hour": 6, "minute": 53}
